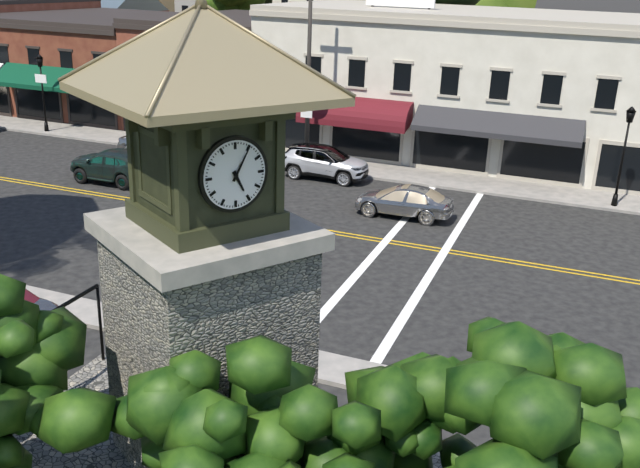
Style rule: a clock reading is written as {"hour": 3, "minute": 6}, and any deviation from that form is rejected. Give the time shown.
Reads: {"hour": 5, "minute": 5}
